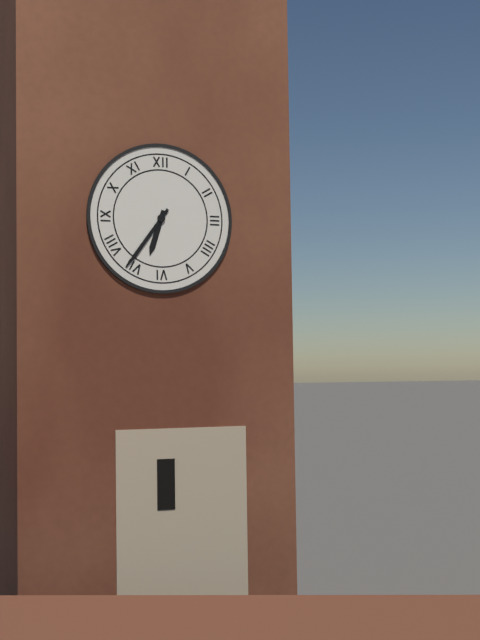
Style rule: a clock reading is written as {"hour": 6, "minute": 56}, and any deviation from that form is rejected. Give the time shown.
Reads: {"hour": 6, "minute": 36}
